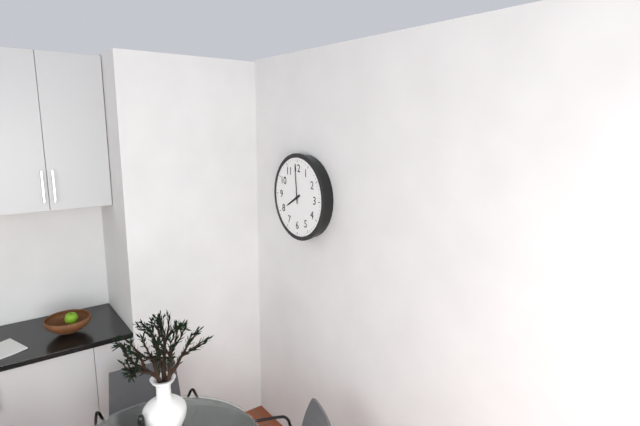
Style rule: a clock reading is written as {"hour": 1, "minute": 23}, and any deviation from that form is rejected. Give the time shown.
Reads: {"hour": 7, "minute": 59}
